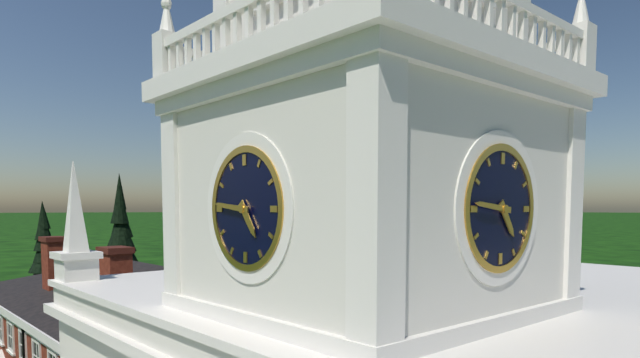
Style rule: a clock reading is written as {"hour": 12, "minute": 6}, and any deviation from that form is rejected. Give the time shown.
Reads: {"hour": 4, "minute": 46}
